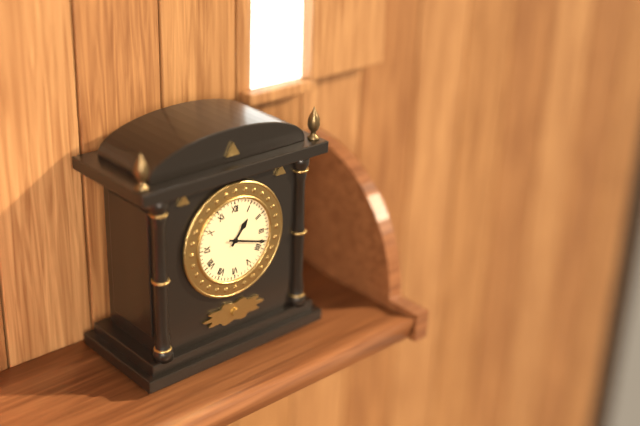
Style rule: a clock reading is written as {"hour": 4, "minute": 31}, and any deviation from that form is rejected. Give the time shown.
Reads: {"hour": 1, "minute": 18}
